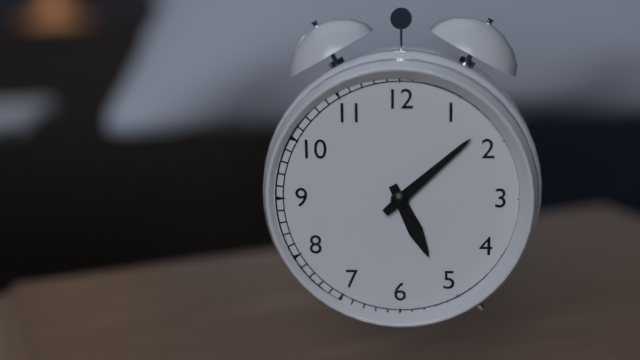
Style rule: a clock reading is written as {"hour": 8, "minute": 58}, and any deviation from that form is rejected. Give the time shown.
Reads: {"hour": 5, "minute": 8}
